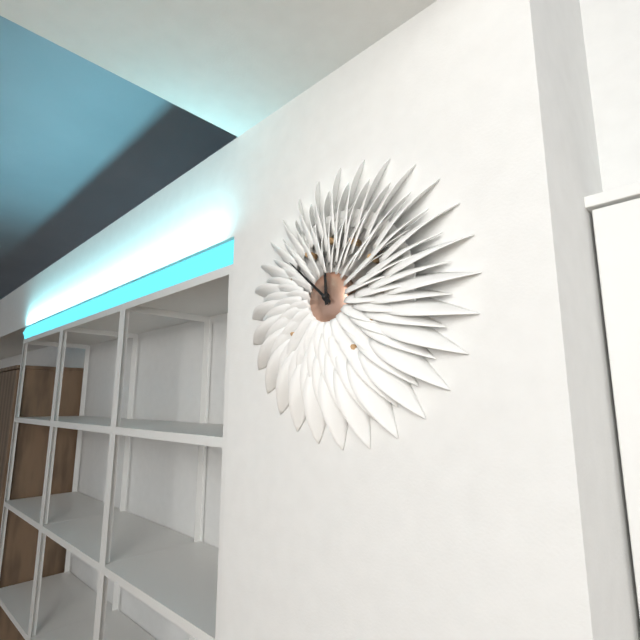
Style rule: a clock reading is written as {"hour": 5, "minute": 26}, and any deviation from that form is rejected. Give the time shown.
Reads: {"hour": 11, "minute": 52}
